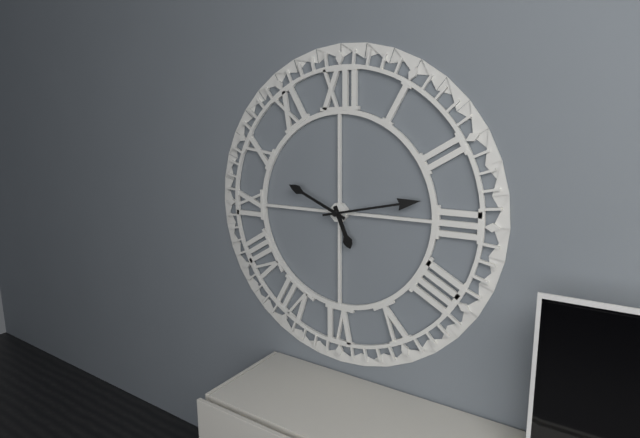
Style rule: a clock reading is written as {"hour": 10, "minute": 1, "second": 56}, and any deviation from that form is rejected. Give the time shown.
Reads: {"hour": 5, "minute": 13, "second": 49}
